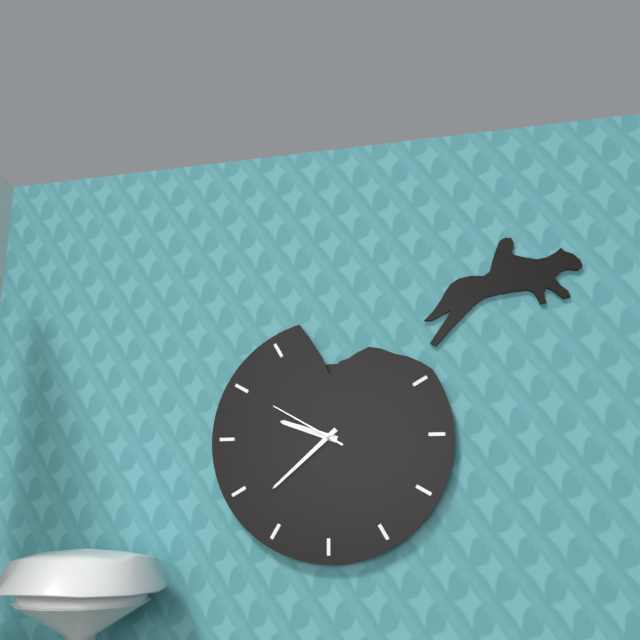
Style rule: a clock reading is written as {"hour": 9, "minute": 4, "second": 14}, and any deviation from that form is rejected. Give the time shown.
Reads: {"hour": 9, "minute": 38, "second": 50}
